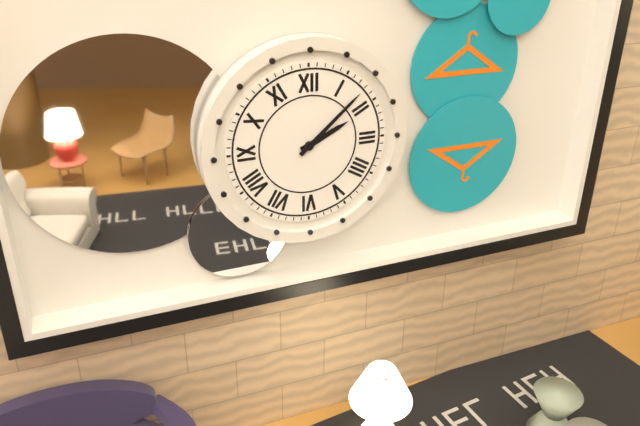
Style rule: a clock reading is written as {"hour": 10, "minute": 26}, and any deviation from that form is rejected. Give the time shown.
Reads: {"hour": 2, "minute": 8}
